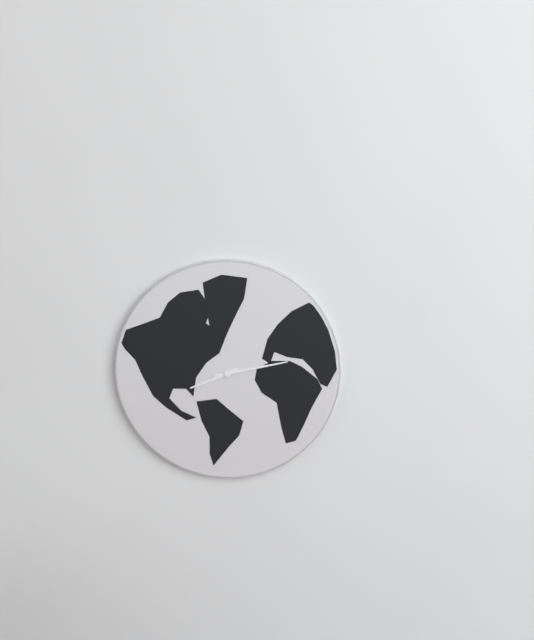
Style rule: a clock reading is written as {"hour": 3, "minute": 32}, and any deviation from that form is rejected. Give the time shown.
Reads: {"hour": 8, "minute": 13}
